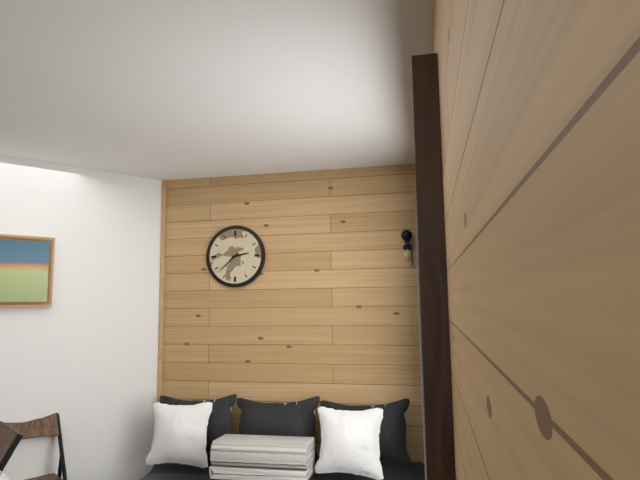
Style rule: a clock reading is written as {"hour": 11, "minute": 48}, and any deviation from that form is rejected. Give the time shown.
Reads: {"hour": 2, "minute": 38}
